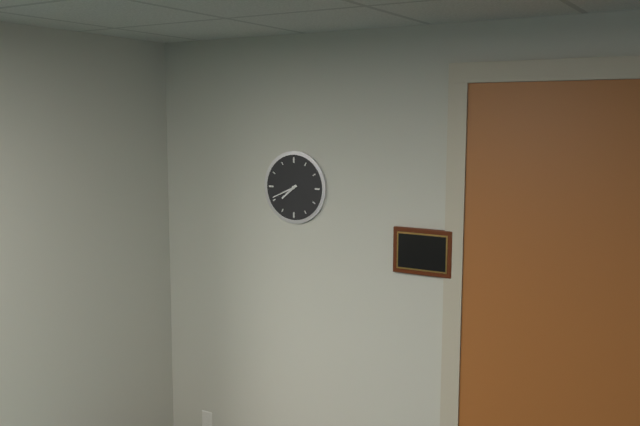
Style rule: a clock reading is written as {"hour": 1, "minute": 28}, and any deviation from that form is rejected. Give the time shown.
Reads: {"hour": 7, "minute": 41}
